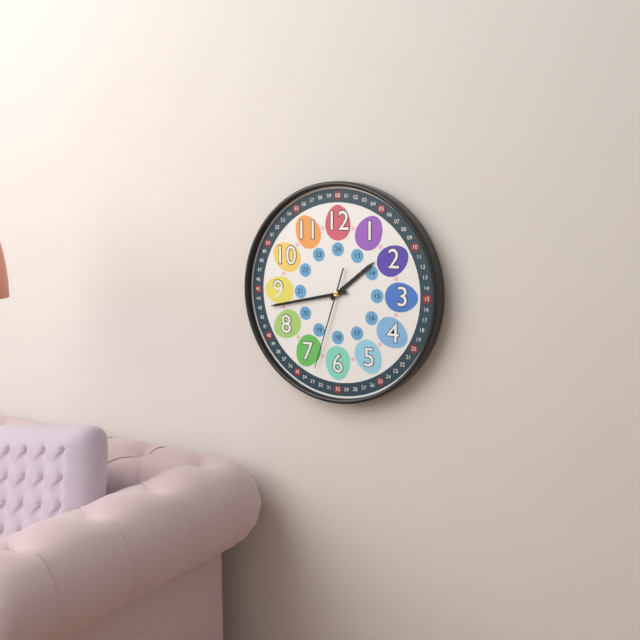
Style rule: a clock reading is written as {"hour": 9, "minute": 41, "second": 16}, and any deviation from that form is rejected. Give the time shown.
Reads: {"hour": 1, "minute": 43, "second": 33}
